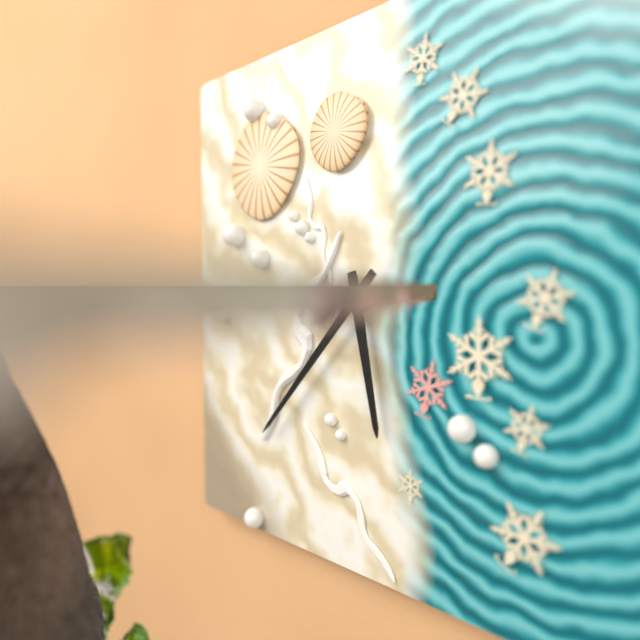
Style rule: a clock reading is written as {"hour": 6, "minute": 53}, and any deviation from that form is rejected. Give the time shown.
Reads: {"hour": 5, "minute": 37}
